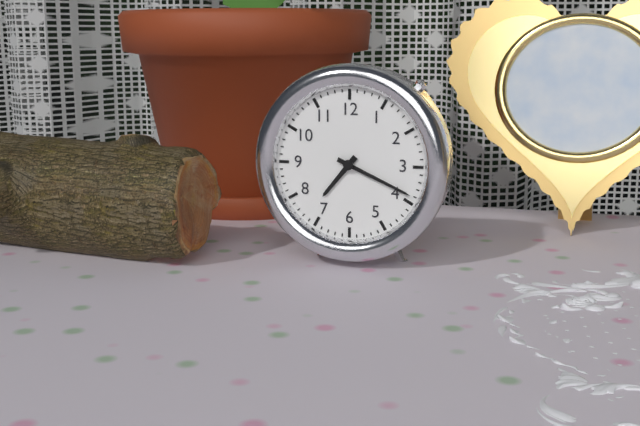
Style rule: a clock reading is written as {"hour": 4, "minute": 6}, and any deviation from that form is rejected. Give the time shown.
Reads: {"hour": 7, "minute": 19}
